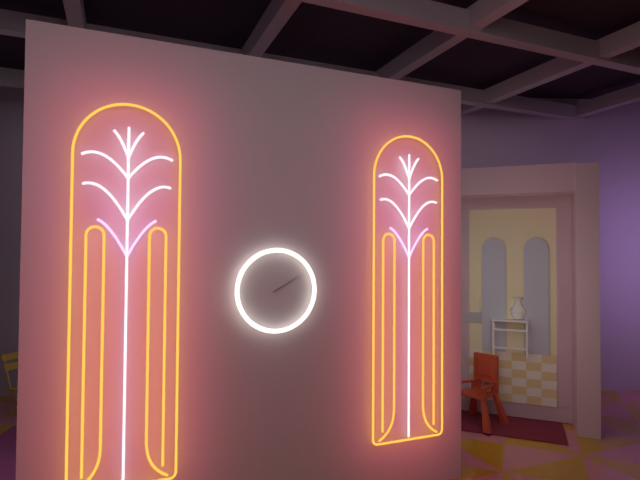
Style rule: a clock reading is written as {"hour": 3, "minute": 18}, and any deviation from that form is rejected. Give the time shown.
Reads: {"hour": 2, "minute": 10}
